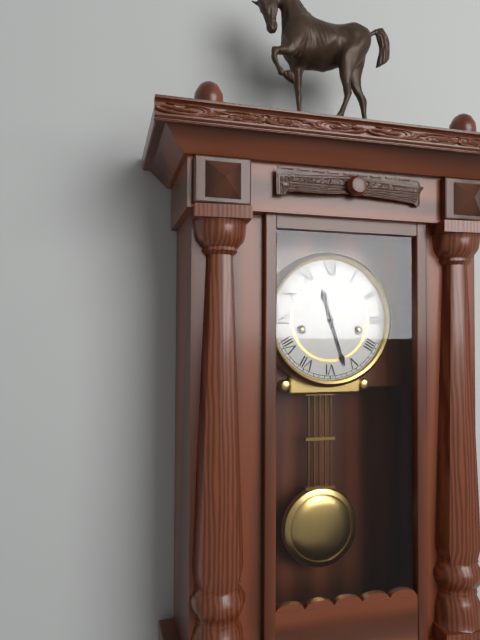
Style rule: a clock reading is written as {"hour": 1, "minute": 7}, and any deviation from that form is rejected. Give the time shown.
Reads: {"hour": 11, "minute": 27}
